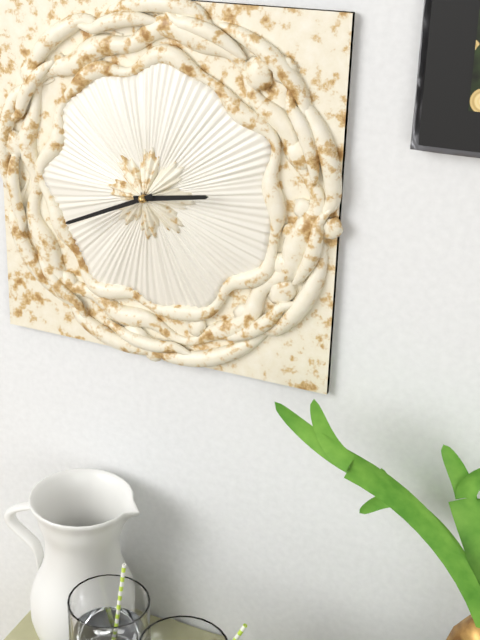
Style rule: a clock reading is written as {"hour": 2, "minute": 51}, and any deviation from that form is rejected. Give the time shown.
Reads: {"hour": 2, "minute": 41}
